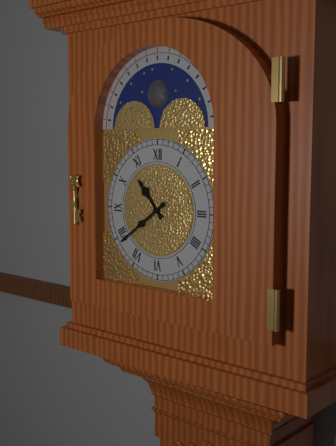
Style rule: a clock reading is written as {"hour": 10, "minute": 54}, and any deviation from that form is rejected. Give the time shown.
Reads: {"hour": 10, "minute": 39}
